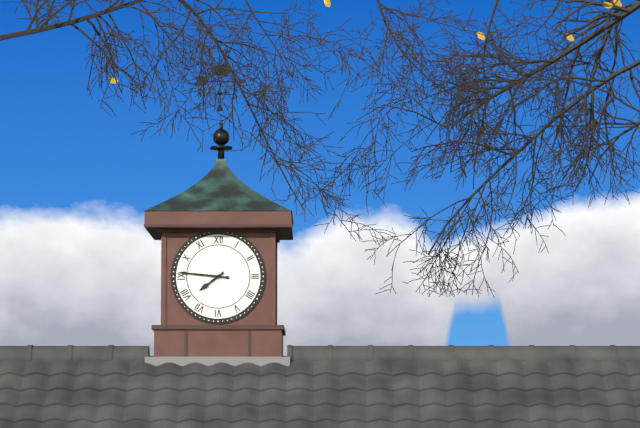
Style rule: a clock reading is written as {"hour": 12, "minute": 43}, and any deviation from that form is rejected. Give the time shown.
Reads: {"hour": 7, "minute": 46}
